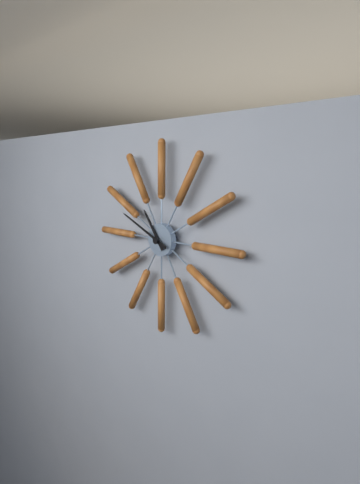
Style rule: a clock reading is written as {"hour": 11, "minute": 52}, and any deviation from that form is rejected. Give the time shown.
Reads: {"hour": 10, "minute": 49}
